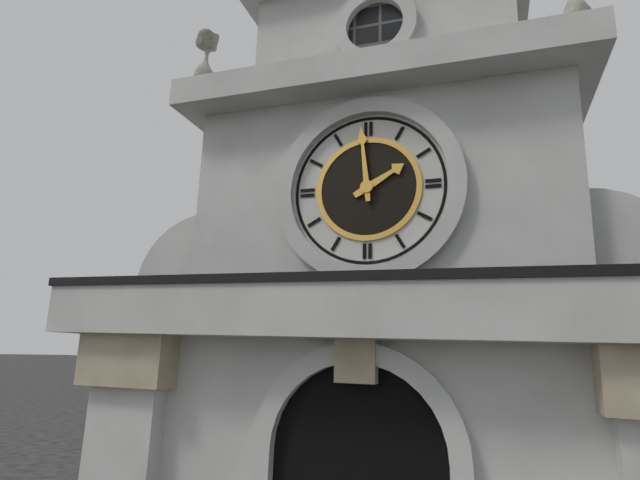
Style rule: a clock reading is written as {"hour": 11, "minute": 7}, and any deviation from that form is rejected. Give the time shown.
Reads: {"hour": 1, "minute": 59}
